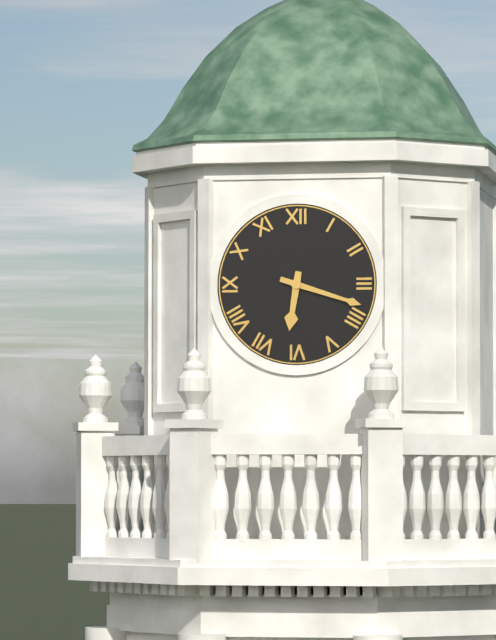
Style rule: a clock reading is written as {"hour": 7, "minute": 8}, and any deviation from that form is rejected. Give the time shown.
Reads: {"hour": 6, "minute": 18}
